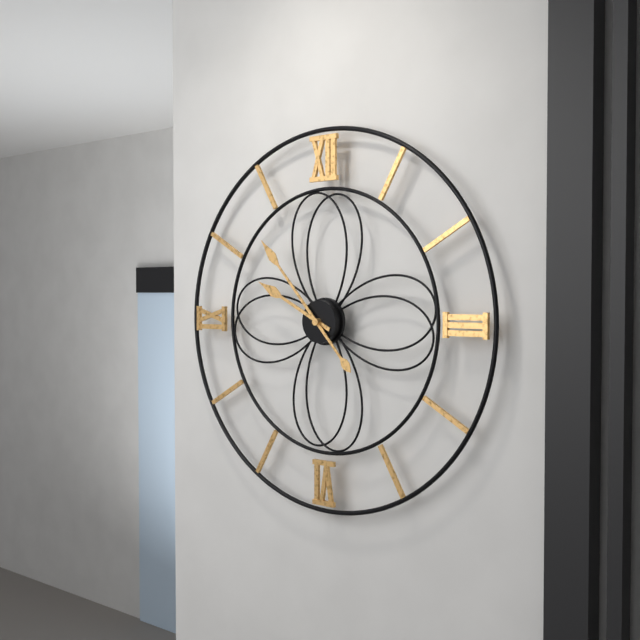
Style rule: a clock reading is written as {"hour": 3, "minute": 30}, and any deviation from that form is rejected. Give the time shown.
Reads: {"hour": 9, "minute": 53}
